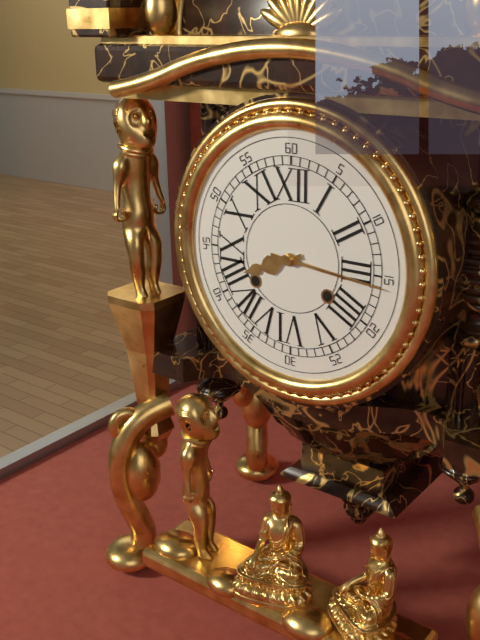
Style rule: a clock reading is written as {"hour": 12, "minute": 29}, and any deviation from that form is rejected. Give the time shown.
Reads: {"hour": 8, "minute": 16}
